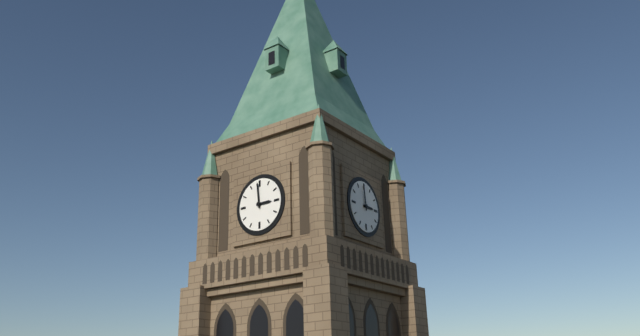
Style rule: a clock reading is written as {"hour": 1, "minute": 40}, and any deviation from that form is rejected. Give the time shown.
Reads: {"hour": 2, "minute": 59}
